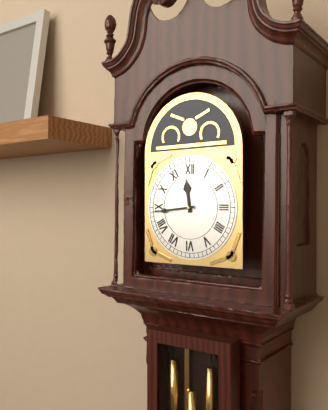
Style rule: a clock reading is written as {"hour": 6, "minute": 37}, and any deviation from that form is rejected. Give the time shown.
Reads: {"hour": 11, "minute": 44}
